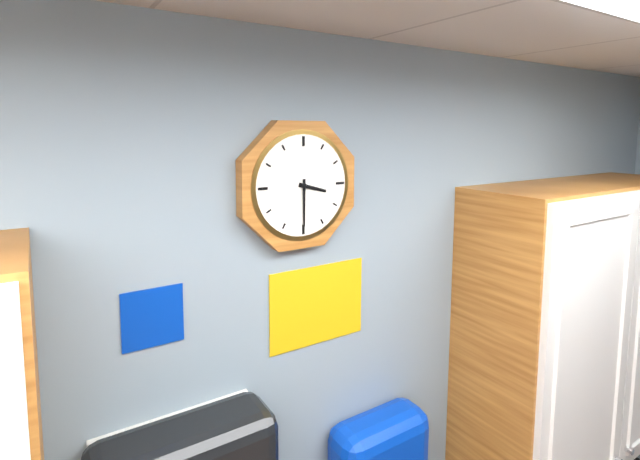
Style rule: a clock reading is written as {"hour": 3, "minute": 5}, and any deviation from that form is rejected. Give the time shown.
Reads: {"hour": 3, "minute": 30}
